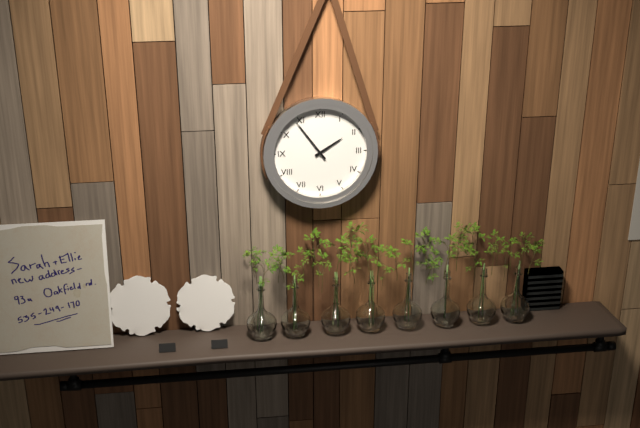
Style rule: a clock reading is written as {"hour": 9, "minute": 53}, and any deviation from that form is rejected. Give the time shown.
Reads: {"hour": 1, "minute": 54}
